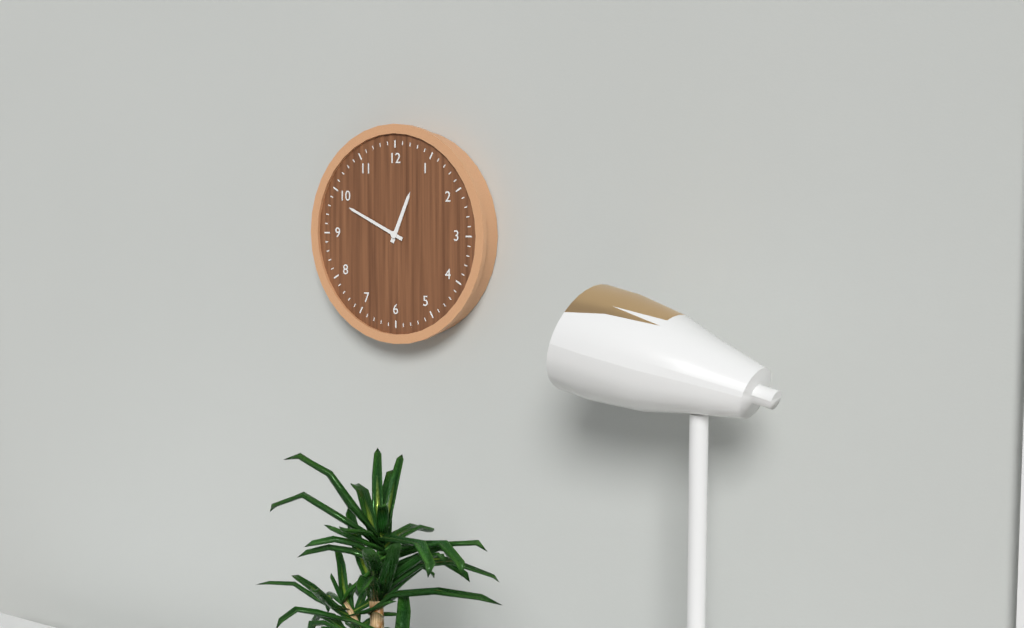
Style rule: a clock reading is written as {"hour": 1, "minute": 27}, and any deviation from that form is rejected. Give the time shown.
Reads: {"hour": 12, "minute": 49}
